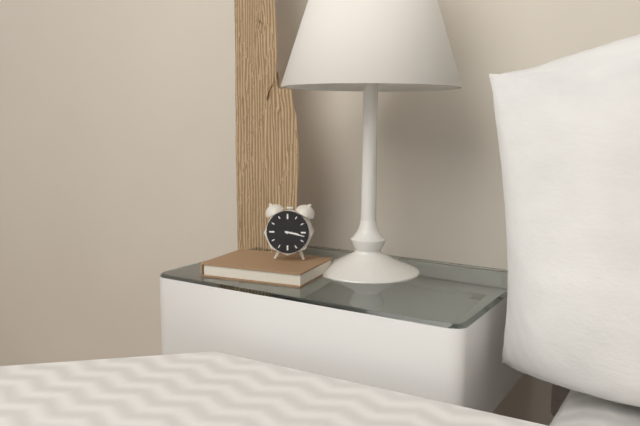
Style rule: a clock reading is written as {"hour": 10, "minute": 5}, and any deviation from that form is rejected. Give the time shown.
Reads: {"hour": 3, "minute": 17}
